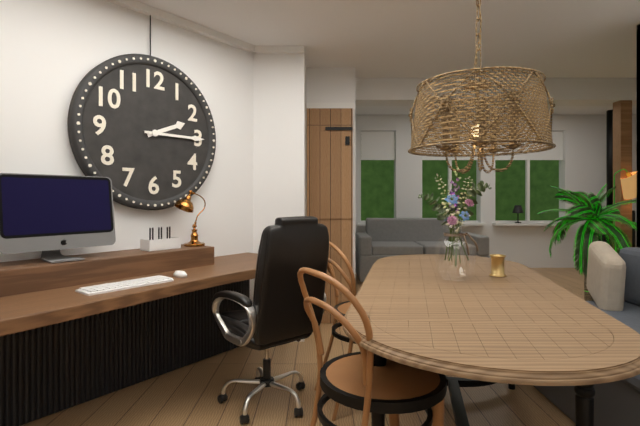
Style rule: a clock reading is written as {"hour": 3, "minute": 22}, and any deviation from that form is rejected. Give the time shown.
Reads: {"hour": 2, "minute": 15}
